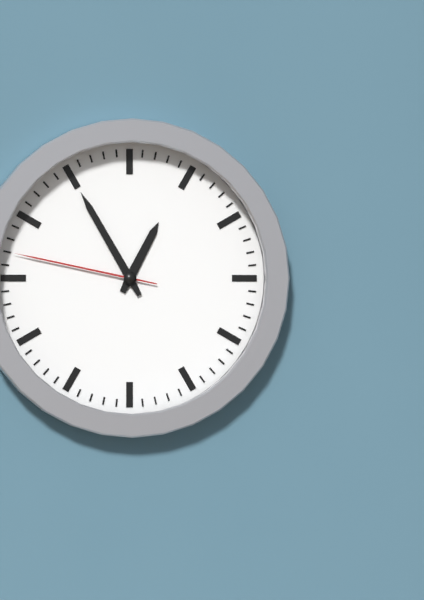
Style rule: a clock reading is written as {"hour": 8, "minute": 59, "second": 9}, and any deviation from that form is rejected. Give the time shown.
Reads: {"hour": 12, "minute": 55, "second": 47}
